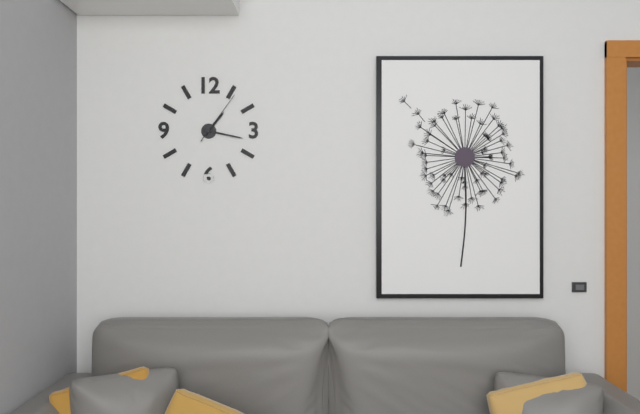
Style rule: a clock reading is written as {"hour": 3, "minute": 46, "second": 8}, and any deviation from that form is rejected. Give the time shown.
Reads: {"hour": 1, "minute": 17, "second": 6}
